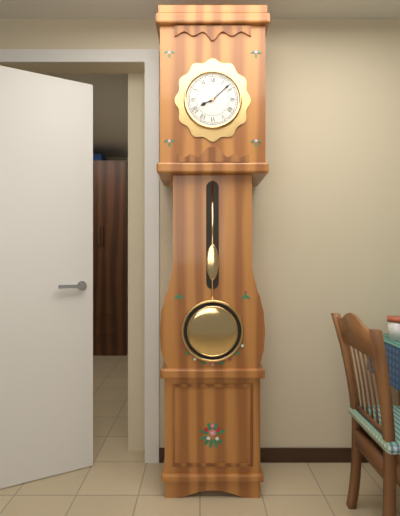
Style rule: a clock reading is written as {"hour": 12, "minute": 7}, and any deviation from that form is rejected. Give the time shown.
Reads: {"hour": 8, "minute": 8}
